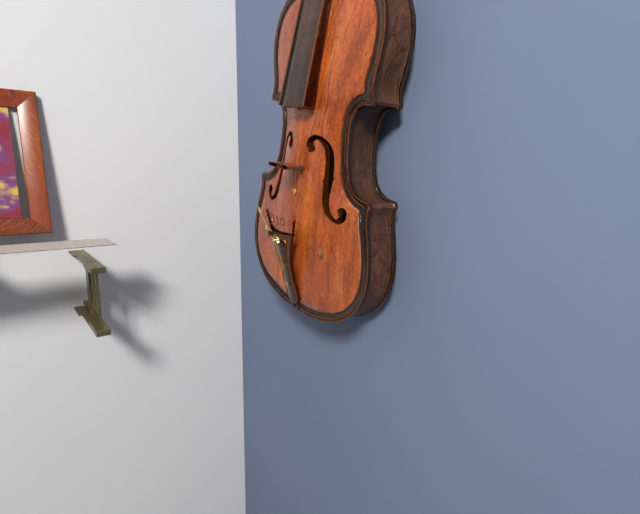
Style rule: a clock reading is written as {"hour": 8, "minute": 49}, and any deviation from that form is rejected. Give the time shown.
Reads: {"hour": 4, "minute": 51}
